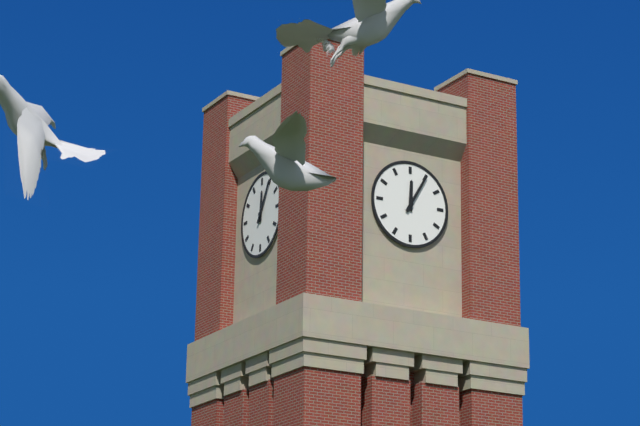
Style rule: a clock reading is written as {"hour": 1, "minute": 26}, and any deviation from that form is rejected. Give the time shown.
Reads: {"hour": 12, "minute": 5}
